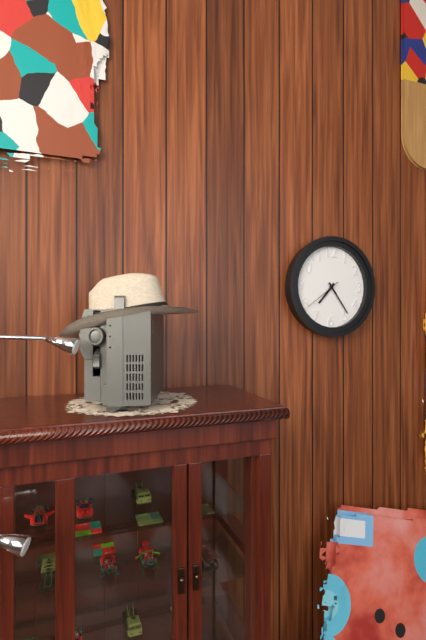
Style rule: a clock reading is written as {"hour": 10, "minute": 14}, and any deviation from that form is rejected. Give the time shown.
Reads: {"hour": 7, "minute": 24}
